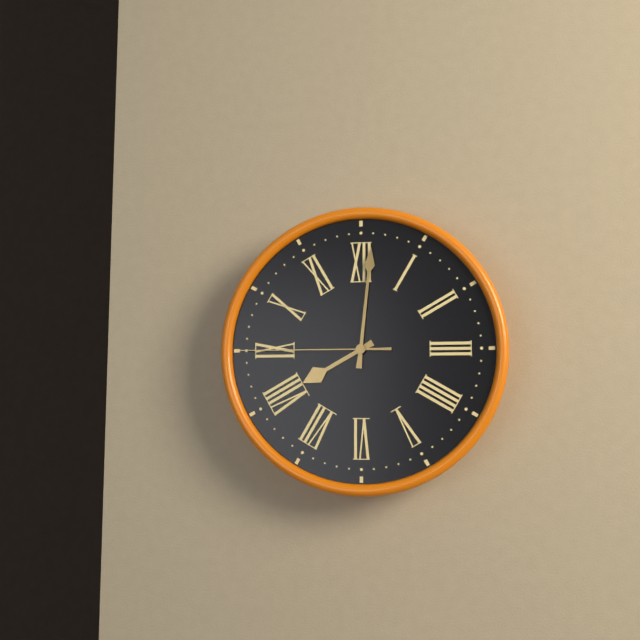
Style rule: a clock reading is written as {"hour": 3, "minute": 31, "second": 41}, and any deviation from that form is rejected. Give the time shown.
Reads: {"hour": 8, "minute": 1, "second": 45}
